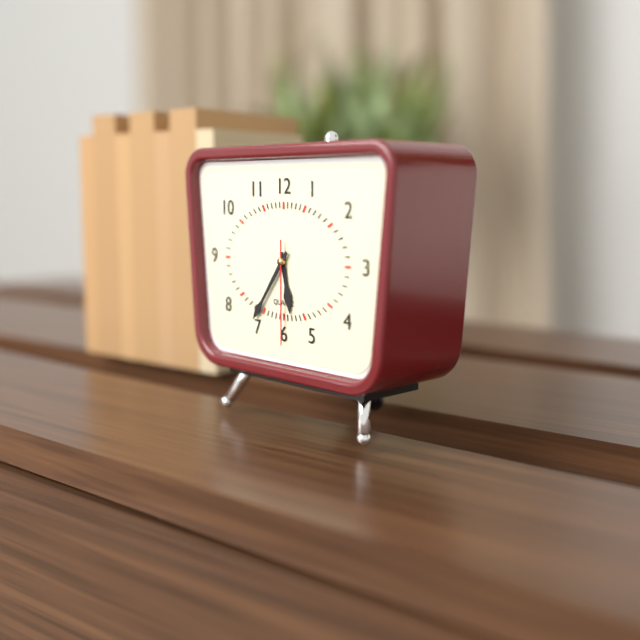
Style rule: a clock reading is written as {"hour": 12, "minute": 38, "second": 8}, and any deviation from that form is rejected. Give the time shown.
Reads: {"hour": 5, "minute": 36, "second": 30}
